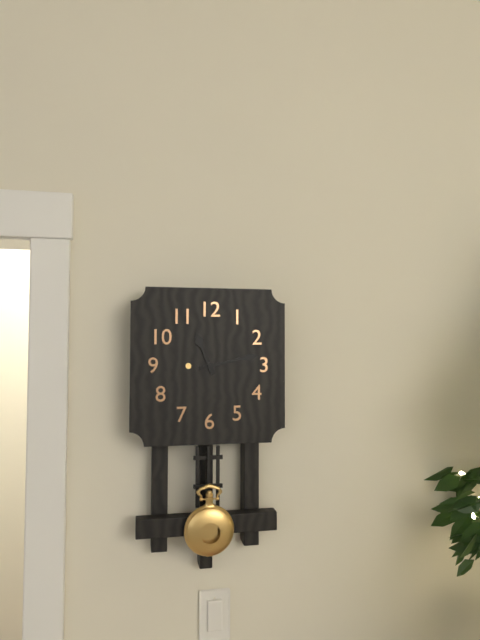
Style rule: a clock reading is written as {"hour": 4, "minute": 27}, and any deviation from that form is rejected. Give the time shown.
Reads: {"hour": 11, "minute": 13}
